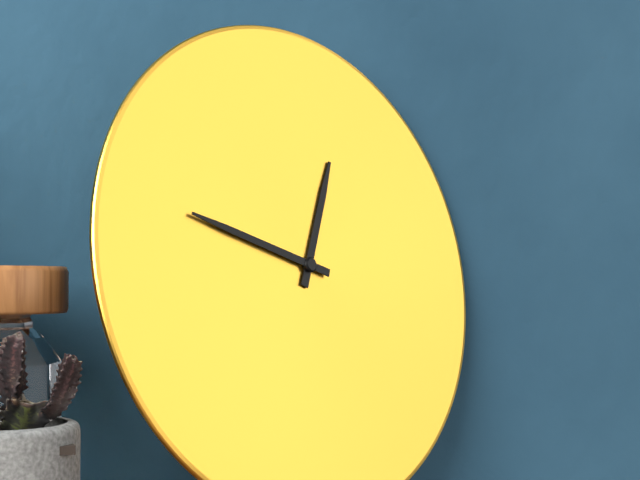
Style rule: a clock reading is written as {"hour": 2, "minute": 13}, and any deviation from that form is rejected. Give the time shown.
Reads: {"hour": 12, "minute": 48}
